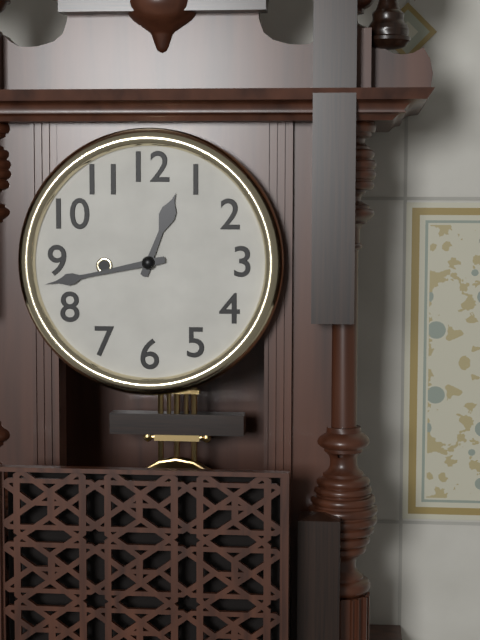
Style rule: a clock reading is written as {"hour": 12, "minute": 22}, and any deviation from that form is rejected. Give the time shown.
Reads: {"hour": 12, "minute": 43}
